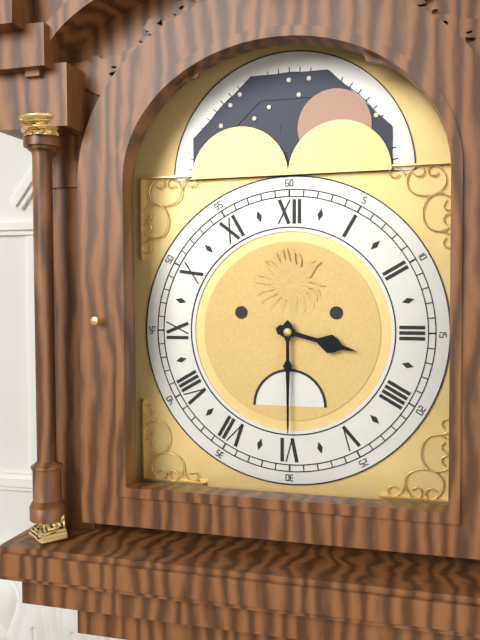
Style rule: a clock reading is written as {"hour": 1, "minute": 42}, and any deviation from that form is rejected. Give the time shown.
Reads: {"hour": 3, "minute": 30}
